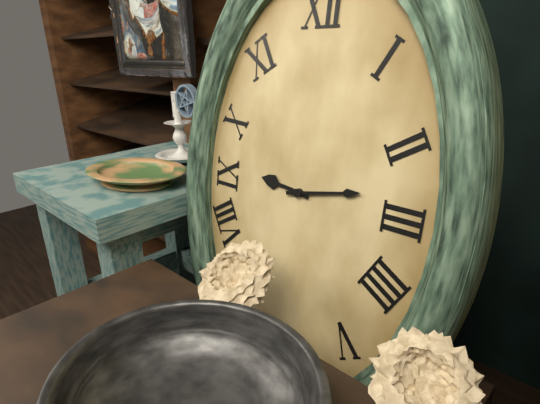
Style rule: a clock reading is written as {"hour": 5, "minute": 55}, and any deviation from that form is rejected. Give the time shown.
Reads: {"hour": 9, "minute": 13}
